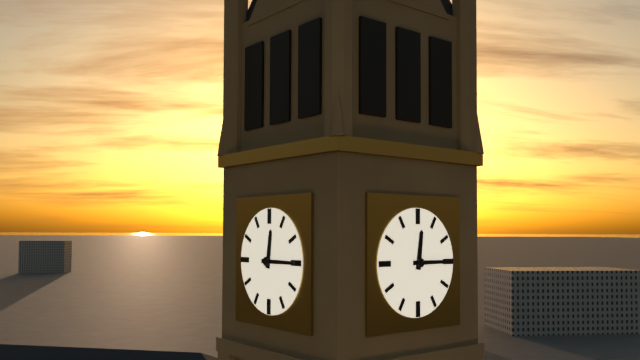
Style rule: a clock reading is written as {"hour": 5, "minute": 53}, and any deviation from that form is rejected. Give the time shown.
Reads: {"hour": 12, "minute": 15}
